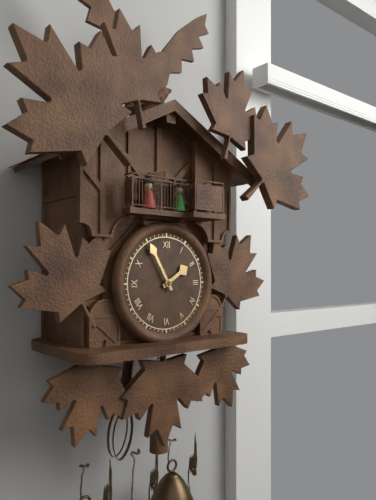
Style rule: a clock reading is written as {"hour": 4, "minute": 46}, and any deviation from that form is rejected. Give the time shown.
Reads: {"hour": 1, "minute": 55}
